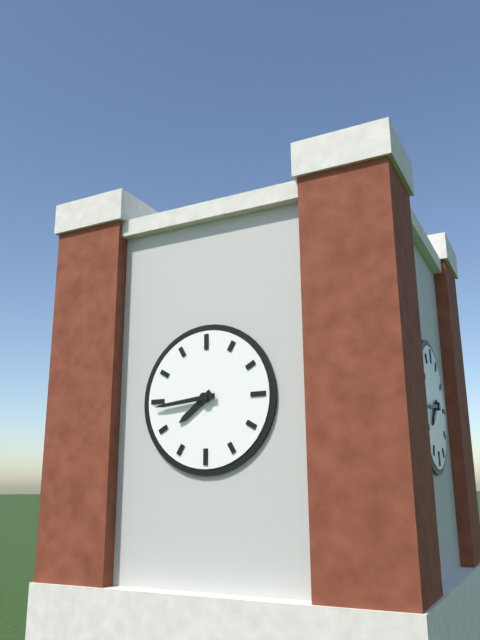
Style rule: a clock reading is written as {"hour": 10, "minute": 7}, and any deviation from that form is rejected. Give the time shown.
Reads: {"hour": 7, "minute": 44}
